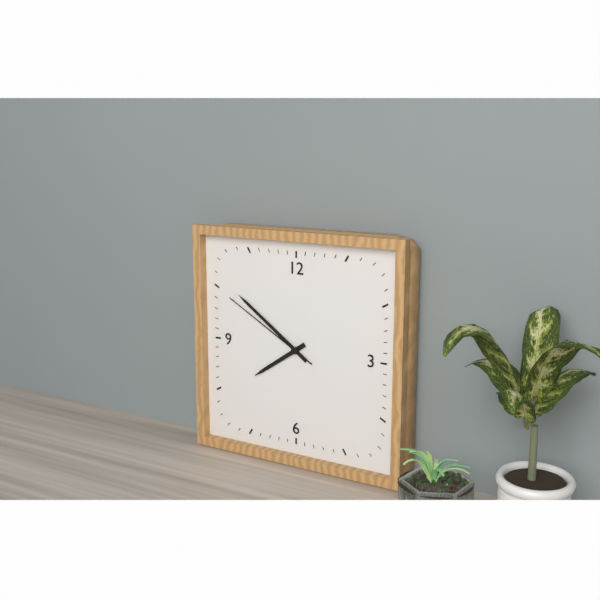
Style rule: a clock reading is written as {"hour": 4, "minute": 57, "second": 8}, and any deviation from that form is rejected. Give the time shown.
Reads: {"hour": 7, "minute": 51, "second": 50}
